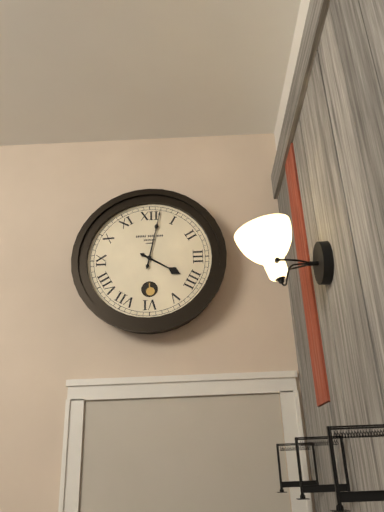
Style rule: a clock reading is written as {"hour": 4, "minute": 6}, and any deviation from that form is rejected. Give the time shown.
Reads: {"hour": 4, "minute": 2}
